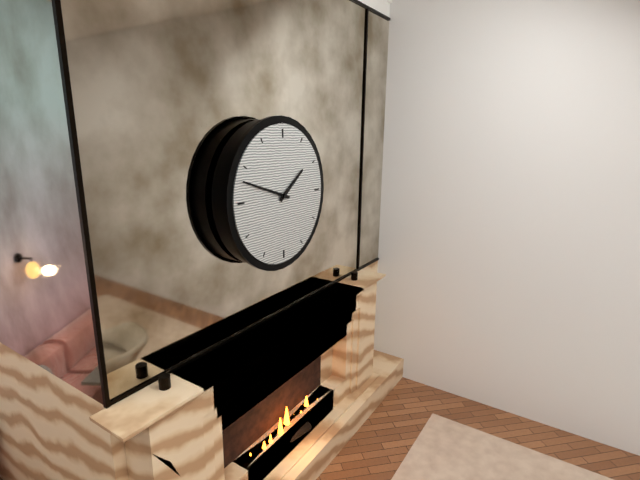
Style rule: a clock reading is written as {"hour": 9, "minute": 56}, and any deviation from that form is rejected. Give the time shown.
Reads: {"hour": 1, "minute": 48}
